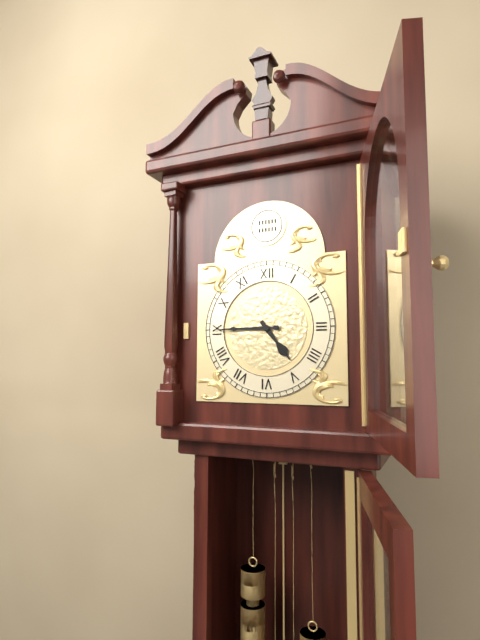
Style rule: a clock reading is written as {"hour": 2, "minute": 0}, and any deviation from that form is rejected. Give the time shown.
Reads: {"hour": 4, "minute": 45}
